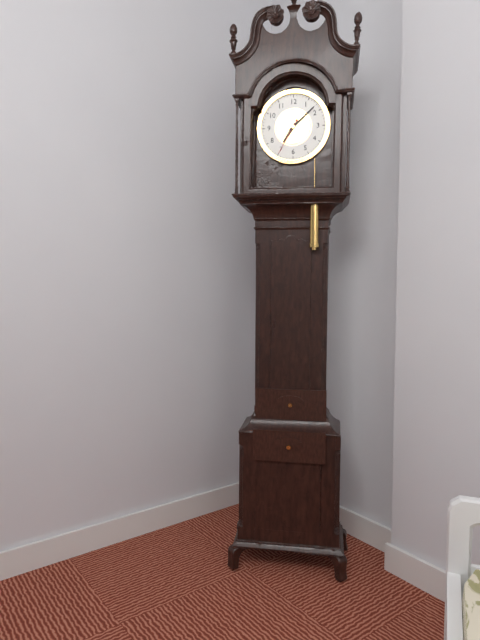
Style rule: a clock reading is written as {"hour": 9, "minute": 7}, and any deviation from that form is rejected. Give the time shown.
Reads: {"hour": 7, "minute": 8}
